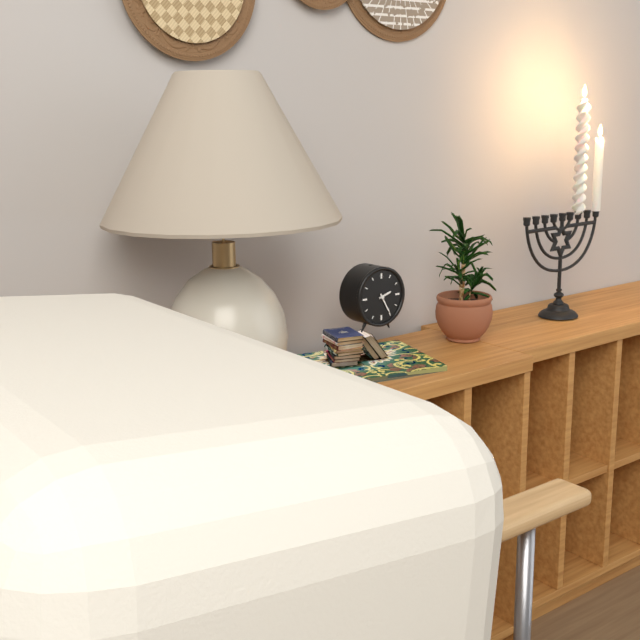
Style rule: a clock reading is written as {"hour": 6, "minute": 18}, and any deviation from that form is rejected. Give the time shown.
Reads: {"hour": 2, "minute": 25}
